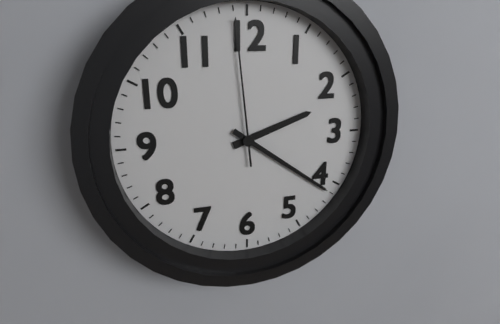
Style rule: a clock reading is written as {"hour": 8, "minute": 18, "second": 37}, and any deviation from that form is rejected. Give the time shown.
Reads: {"hour": 2, "minute": 21, "second": 59}
